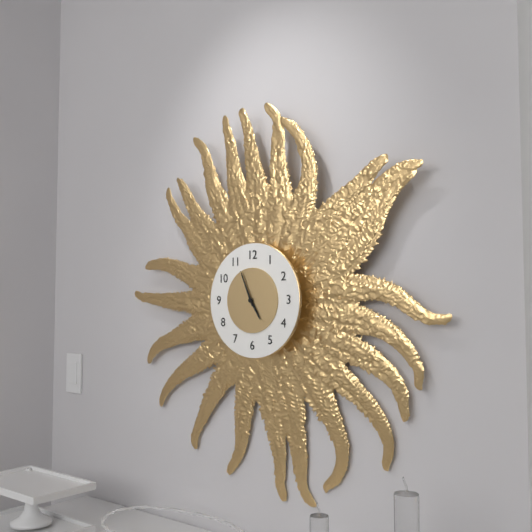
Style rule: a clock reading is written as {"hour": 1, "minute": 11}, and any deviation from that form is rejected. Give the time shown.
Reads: {"hour": 4, "minute": 56}
